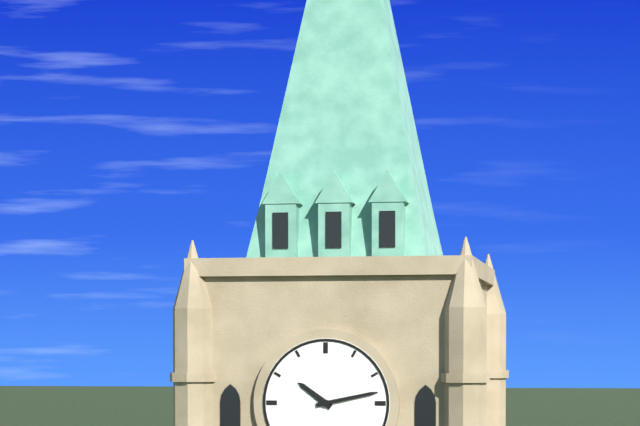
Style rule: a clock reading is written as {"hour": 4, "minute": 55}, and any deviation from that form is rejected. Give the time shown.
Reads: {"hour": 10, "minute": 13}
